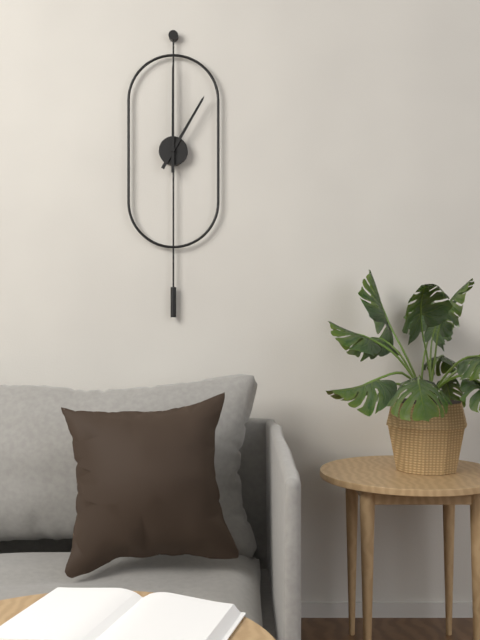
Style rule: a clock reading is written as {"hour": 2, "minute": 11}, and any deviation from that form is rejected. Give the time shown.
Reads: {"hour": 1, "minute": 0}
